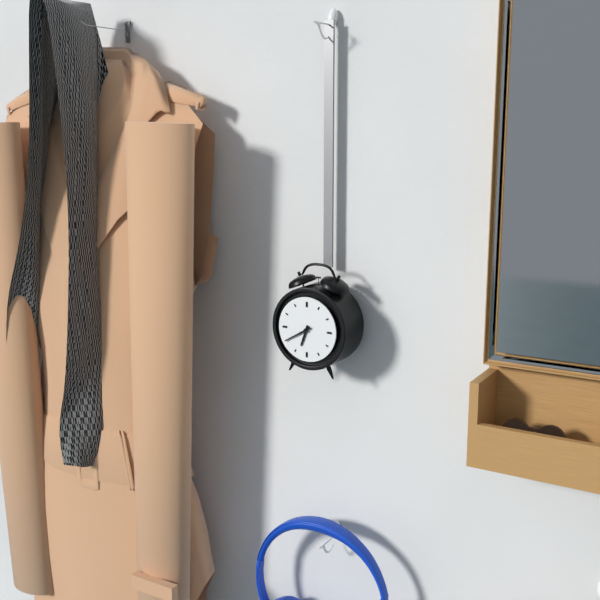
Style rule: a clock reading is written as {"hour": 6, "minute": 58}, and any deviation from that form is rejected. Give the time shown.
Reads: {"hour": 6, "minute": 40}
